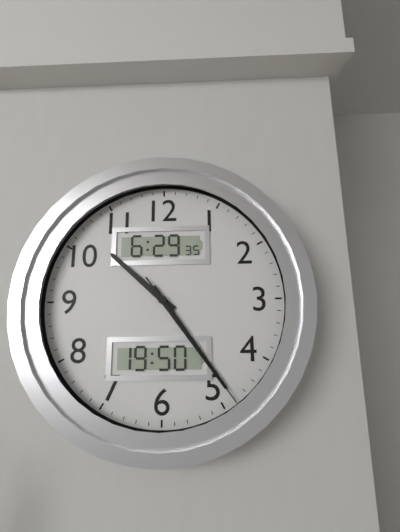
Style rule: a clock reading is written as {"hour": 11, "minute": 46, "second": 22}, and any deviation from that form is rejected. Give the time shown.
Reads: {"hour": 10, "minute": 24, "second": 24}
